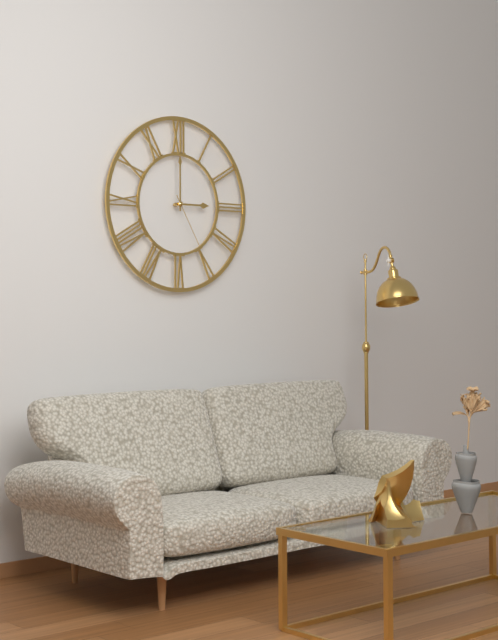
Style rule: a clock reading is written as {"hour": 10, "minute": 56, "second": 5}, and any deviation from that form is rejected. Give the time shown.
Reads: {"hour": 3, "minute": 0, "second": 25}
